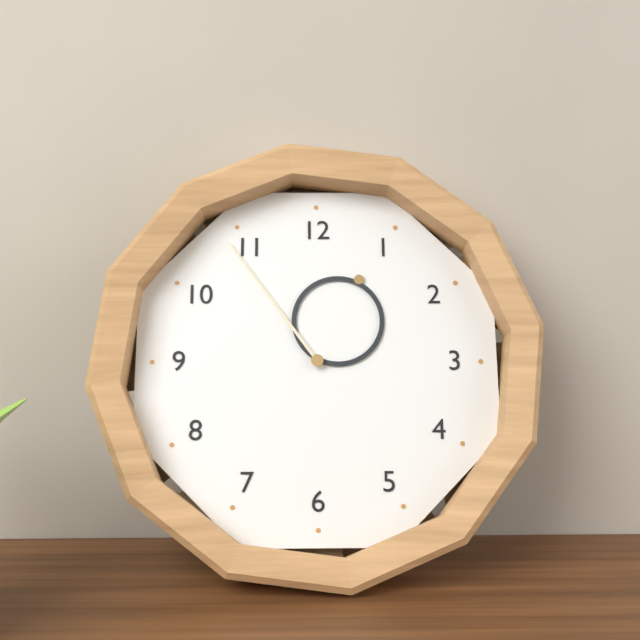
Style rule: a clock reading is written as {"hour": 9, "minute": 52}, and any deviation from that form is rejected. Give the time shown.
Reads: {"hour": 12, "minute": 54}
